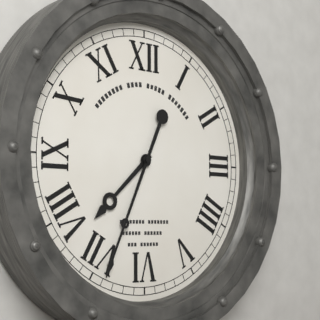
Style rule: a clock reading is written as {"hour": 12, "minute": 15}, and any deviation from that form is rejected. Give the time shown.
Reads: {"hour": 7, "minute": 34}
